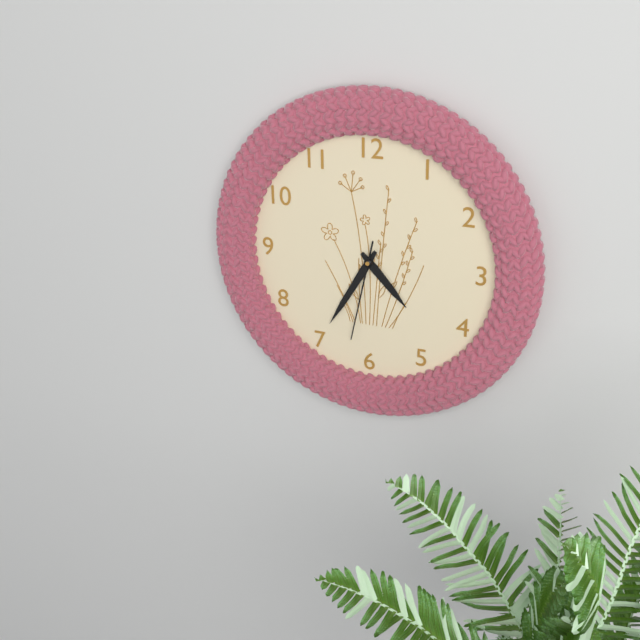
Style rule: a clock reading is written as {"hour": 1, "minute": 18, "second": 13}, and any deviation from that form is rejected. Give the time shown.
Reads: {"hour": 4, "minute": 35, "second": 32}
